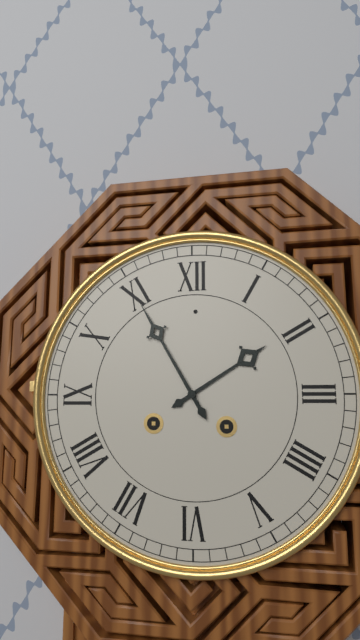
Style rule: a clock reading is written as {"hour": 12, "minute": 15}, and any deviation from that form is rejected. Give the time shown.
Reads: {"hour": 1, "minute": 55}
